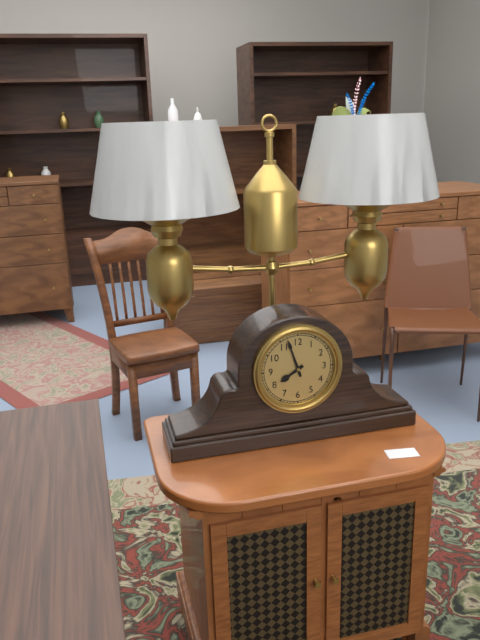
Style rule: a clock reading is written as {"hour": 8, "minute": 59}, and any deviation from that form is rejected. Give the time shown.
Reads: {"hour": 7, "minute": 57}
